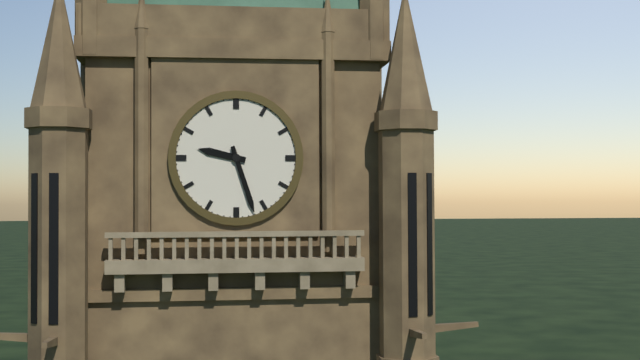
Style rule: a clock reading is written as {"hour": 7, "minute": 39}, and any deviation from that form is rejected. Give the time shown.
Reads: {"hour": 9, "minute": 27}
